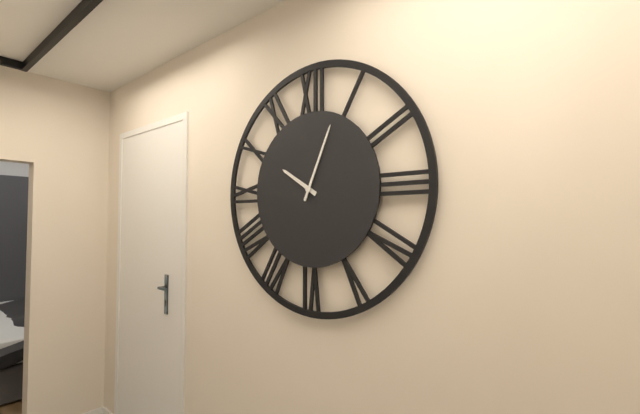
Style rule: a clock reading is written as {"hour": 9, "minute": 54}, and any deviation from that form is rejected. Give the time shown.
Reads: {"hour": 10, "minute": 4}
